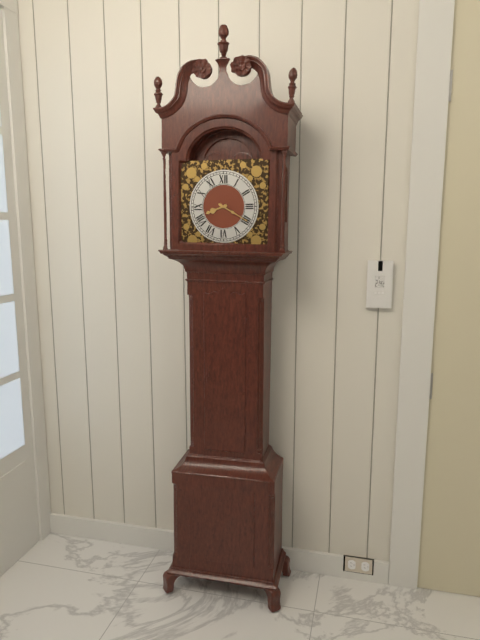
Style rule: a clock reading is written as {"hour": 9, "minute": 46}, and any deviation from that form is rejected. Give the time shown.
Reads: {"hour": 8, "minute": 20}
